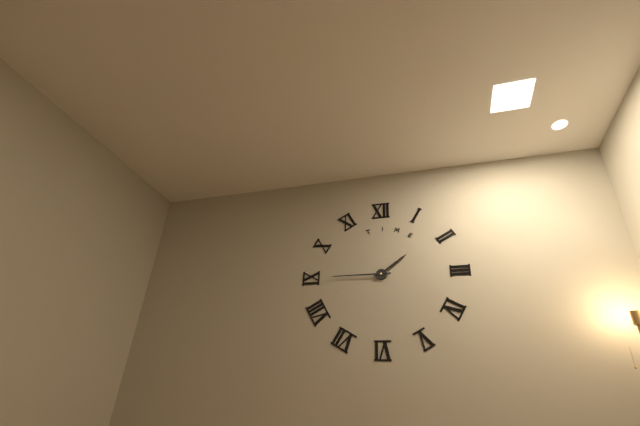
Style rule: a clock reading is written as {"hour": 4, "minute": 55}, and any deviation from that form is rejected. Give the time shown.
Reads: {"hour": 1, "minute": 45}
